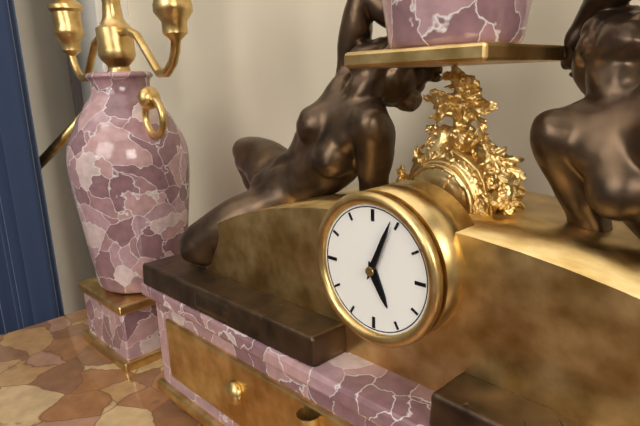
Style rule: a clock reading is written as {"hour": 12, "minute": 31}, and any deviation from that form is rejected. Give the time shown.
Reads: {"hour": 5, "minute": 4}
